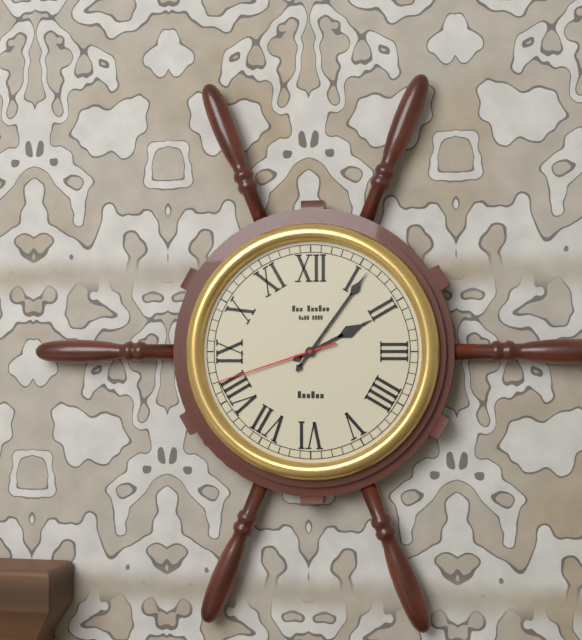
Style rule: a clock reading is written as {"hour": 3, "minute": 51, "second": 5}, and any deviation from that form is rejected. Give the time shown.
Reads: {"hour": 2, "minute": 6, "second": 42}
